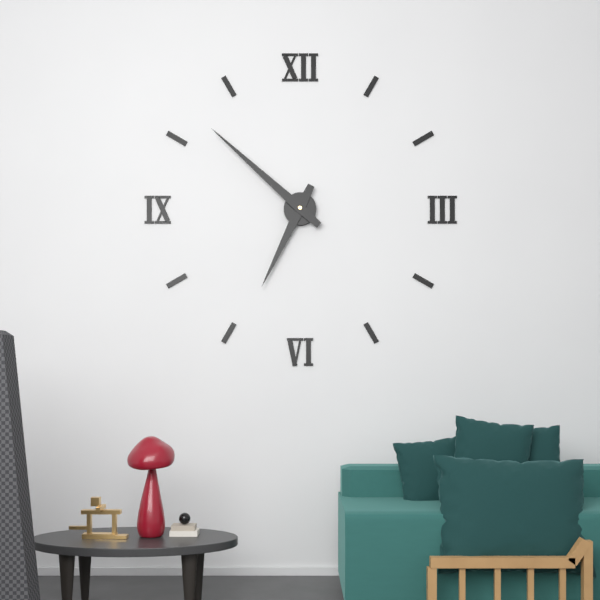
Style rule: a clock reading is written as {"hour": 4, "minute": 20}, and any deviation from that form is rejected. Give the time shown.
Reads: {"hour": 6, "minute": 52}
